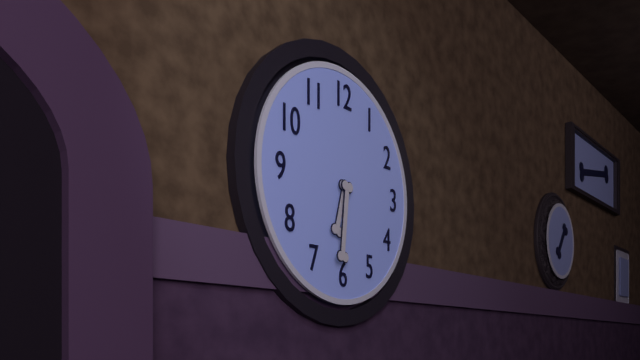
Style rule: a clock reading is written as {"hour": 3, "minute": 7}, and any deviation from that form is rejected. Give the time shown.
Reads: {"hour": 6, "minute": 31}
